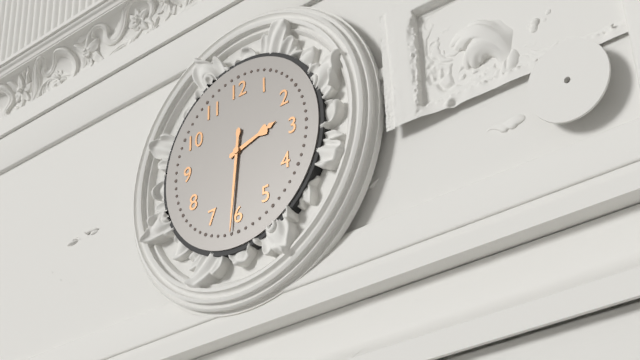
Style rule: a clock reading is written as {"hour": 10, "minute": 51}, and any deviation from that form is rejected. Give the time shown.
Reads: {"hour": 2, "minute": 31}
